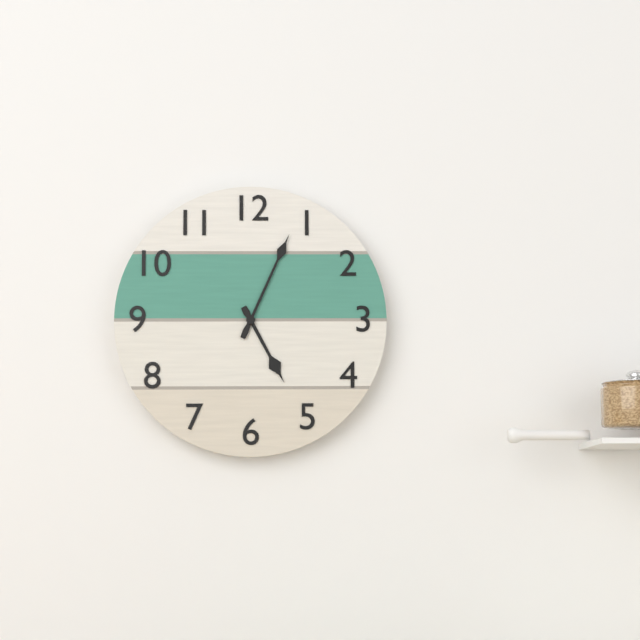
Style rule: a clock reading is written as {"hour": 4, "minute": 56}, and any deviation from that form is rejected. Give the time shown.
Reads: {"hour": 5, "minute": 4}
